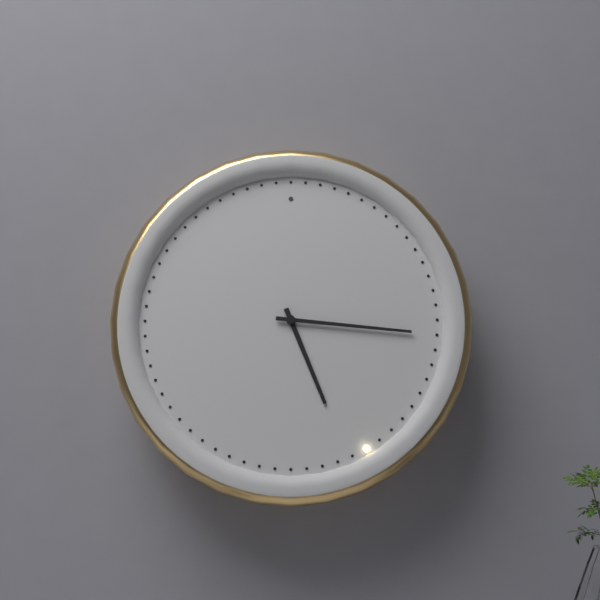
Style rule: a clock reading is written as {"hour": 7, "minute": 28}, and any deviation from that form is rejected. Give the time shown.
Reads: {"hour": 5, "minute": 16}
